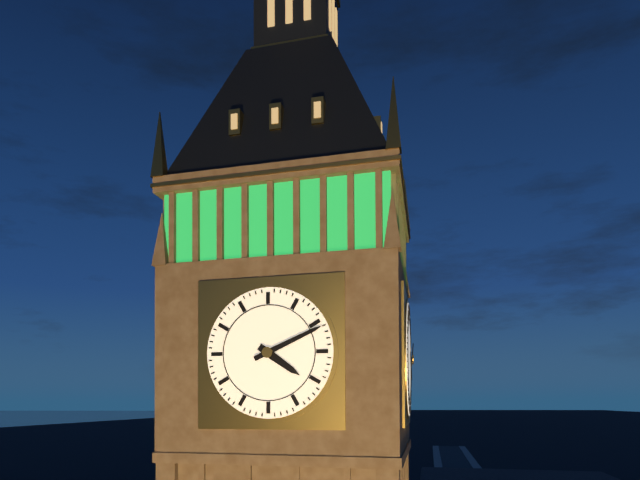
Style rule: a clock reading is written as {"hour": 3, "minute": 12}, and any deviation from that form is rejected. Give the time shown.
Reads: {"hour": 4, "minute": 11}
